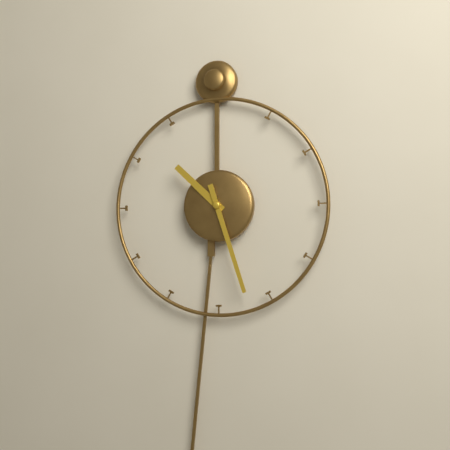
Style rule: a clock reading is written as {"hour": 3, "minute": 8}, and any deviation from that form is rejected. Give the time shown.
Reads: {"hour": 10, "minute": 27}
